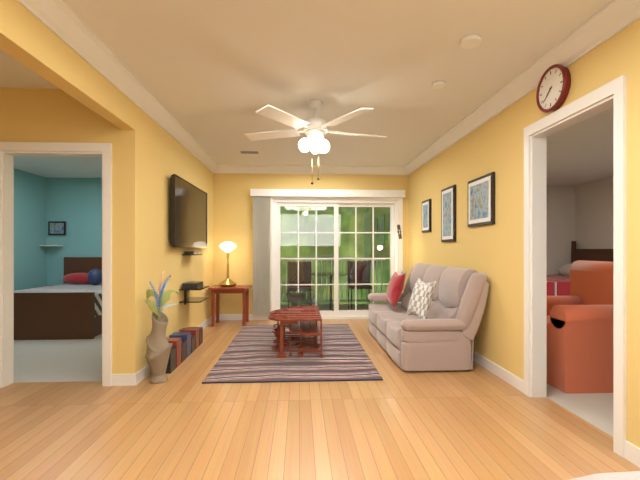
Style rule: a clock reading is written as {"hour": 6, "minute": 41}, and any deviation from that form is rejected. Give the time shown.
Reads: {"hour": 7, "minute": 38}
